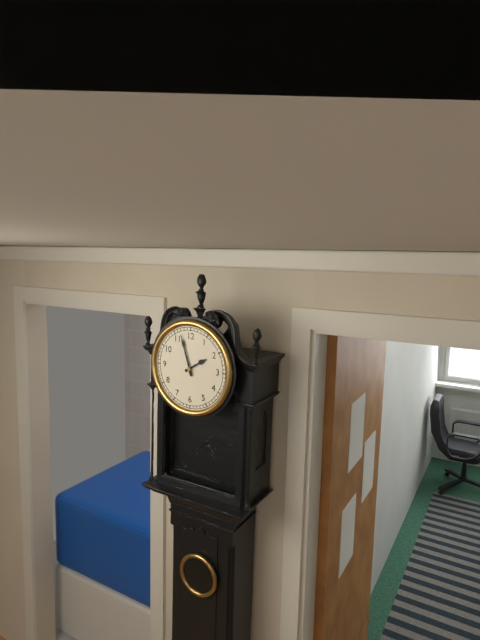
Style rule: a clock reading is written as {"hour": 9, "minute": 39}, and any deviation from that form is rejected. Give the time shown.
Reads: {"hour": 1, "minute": 57}
